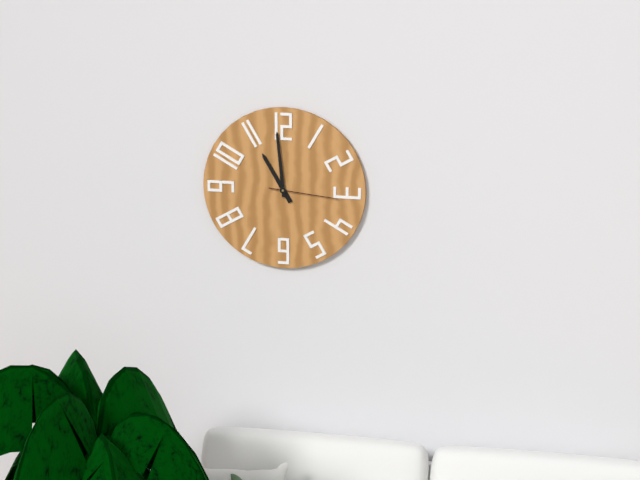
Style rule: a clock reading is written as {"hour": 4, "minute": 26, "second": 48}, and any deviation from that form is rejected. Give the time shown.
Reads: {"hour": 10, "minute": 59, "second": 16}
